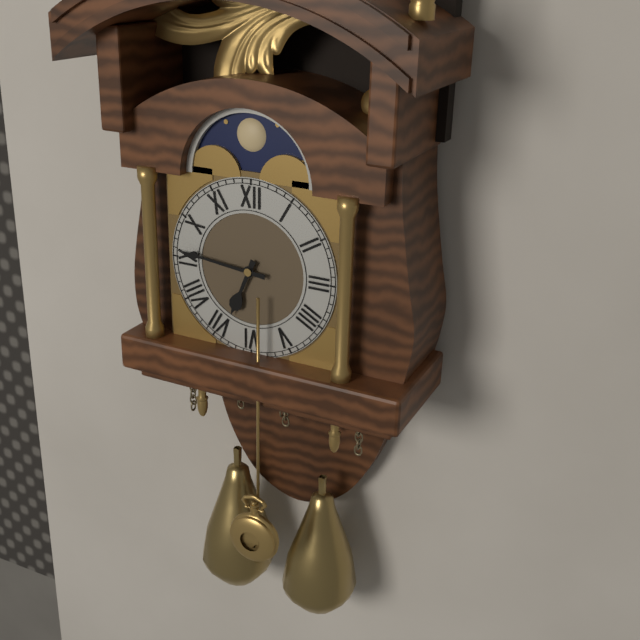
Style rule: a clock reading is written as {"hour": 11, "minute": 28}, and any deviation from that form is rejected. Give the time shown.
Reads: {"hour": 6, "minute": 46}
